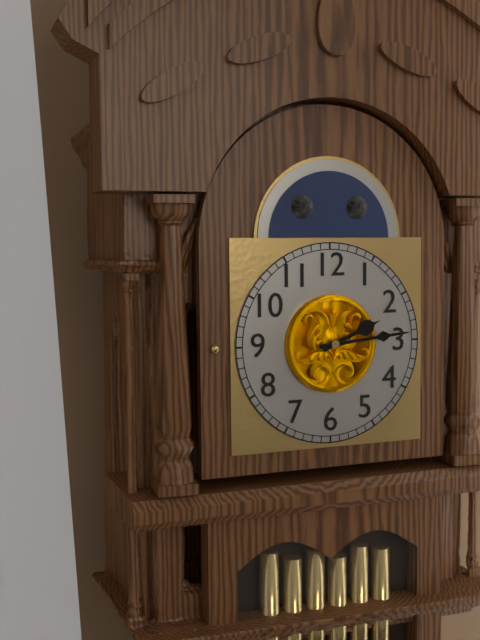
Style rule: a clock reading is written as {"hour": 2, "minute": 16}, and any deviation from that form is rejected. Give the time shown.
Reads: {"hour": 2, "minute": 14}
